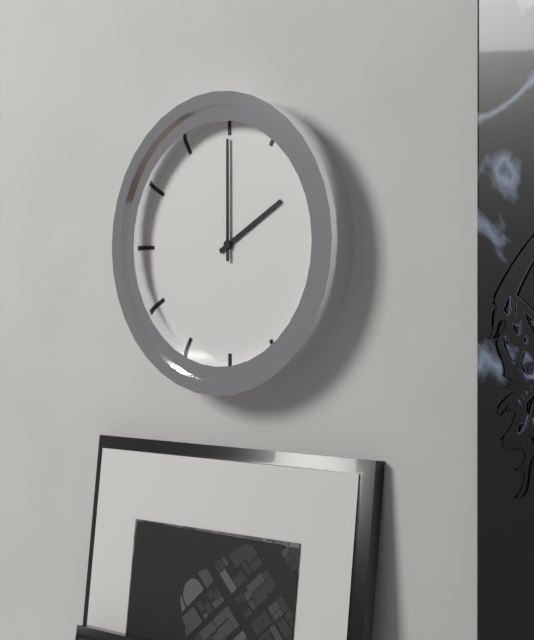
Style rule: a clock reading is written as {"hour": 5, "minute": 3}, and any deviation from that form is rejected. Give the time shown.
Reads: {"hour": 2, "minute": 0}
